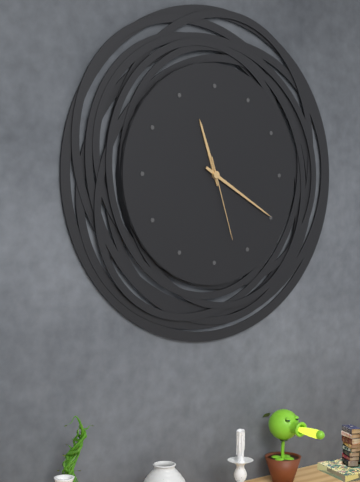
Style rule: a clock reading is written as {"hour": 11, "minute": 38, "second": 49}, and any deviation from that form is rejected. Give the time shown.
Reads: {"hour": 11, "minute": 20, "second": 27}
